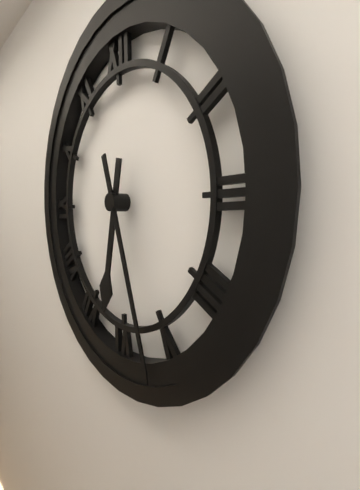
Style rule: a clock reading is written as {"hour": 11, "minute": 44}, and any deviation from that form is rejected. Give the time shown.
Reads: {"hour": 6, "minute": 27}
